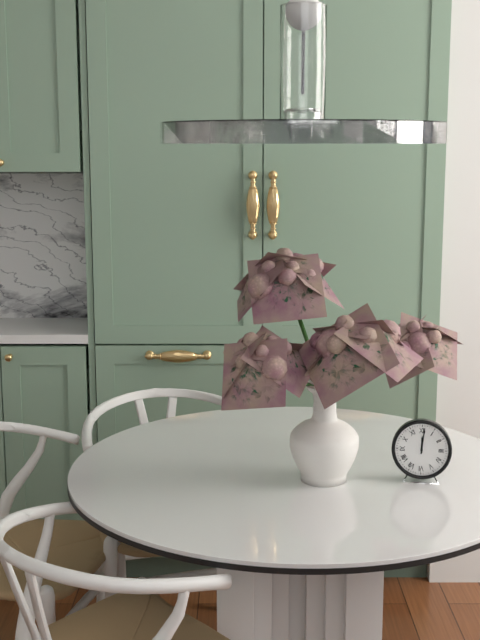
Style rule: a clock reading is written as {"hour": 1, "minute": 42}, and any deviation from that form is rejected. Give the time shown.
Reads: {"hour": 12, "minute": 1}
